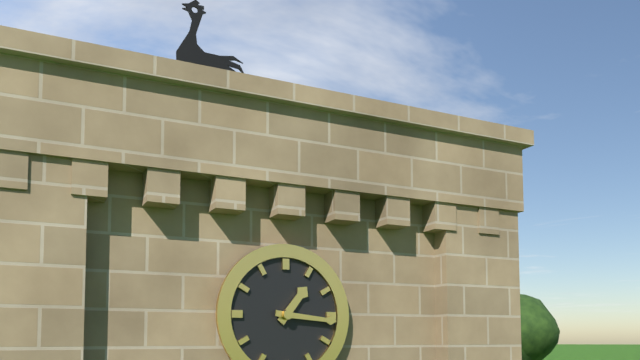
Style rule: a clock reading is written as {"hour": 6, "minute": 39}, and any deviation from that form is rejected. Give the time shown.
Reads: {"hour": 1, "minute": 16}
